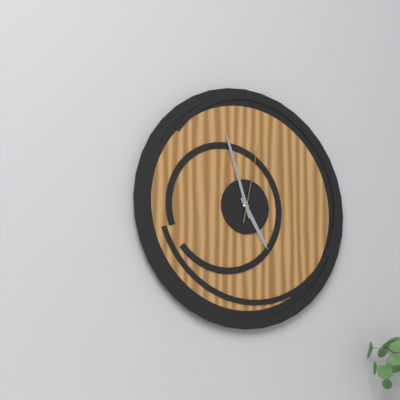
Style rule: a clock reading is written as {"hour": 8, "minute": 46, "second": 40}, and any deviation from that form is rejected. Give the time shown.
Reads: {"hour": 4, "minute": 57, "second": 2}
